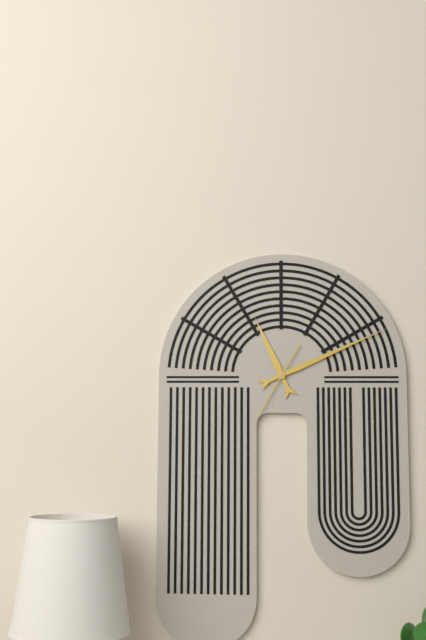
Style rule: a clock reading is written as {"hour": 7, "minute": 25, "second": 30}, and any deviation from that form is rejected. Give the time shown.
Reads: {"hour": 11, "minute": 11, "second": 35}
